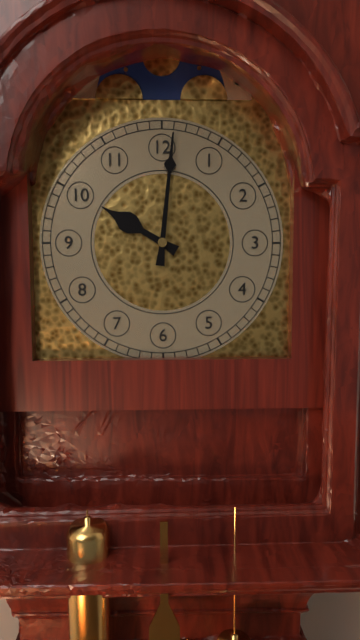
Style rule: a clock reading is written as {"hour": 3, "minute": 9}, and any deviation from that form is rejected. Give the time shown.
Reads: {"hour": 10, "minute": 1}
